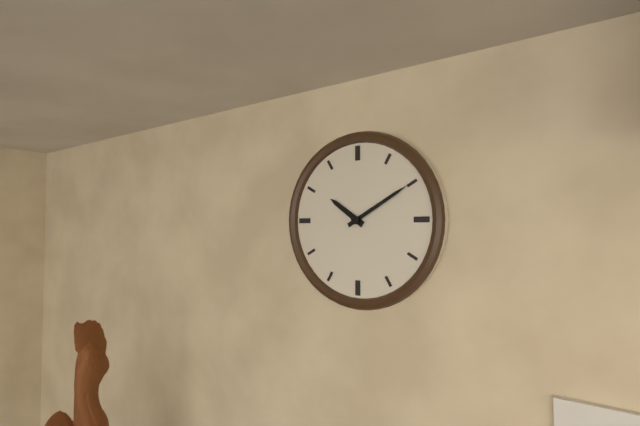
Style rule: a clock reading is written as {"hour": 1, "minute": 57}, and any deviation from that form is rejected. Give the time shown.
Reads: {"hour": 10, "minute": 10}
